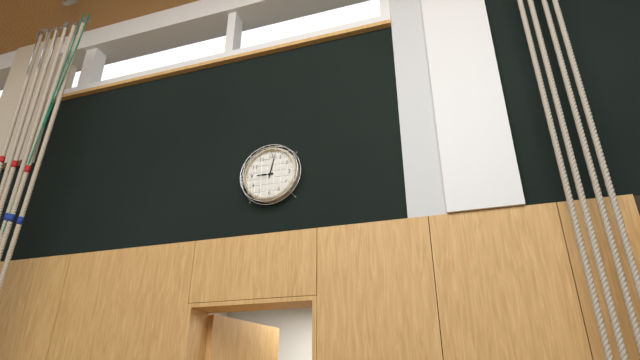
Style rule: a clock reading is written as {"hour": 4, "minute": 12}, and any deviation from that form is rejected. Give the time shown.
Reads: {"hour": 9, "minute": 2}
